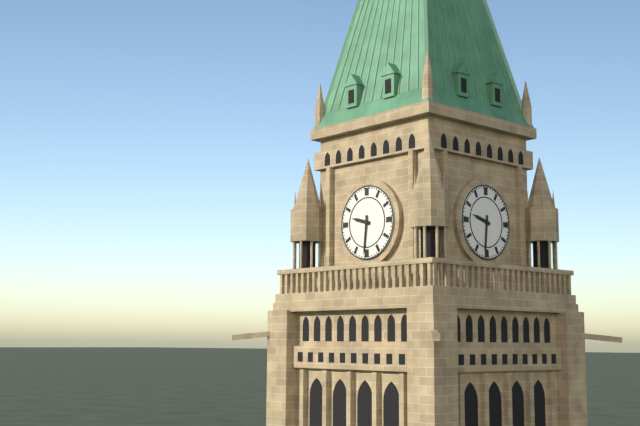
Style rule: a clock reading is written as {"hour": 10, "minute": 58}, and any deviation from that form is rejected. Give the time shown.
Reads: {"hour": 9, "minute": 31}
